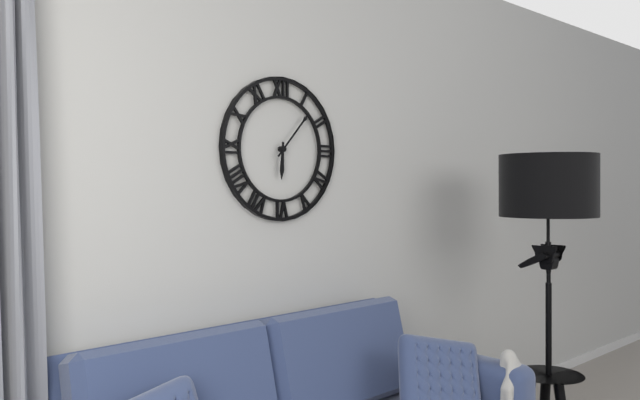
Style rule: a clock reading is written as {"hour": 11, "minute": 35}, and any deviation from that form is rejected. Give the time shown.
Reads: {"hour": 6, "minute": 7}
